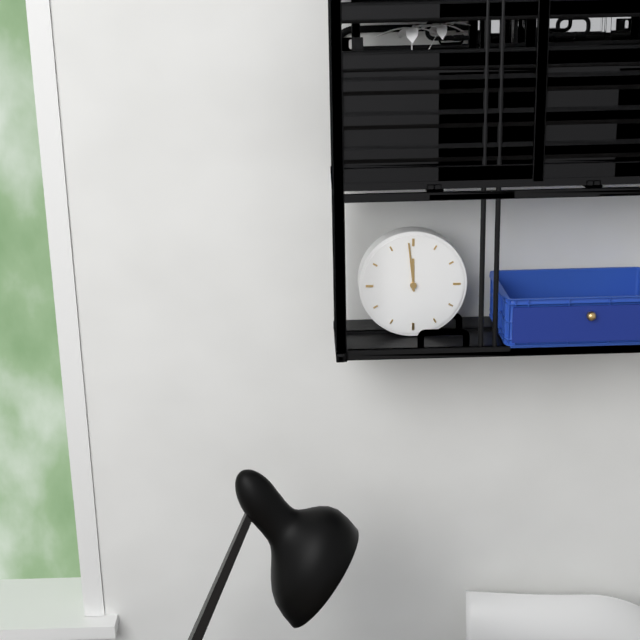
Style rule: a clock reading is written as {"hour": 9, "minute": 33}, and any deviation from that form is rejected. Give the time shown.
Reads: {"hour": 11, "minute": 59}
